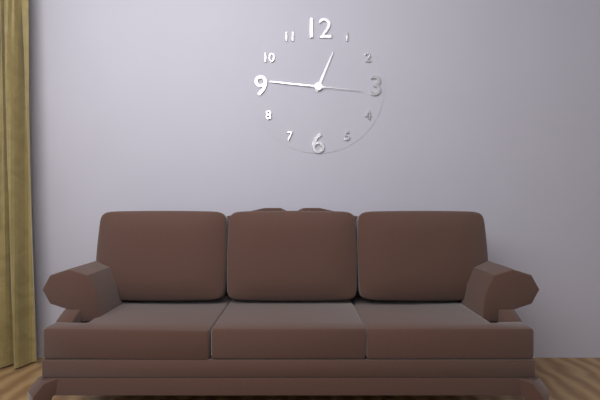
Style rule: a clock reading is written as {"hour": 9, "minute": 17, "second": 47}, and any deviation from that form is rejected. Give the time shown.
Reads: {"hour": 12, "minute": 46, "second": 16}
